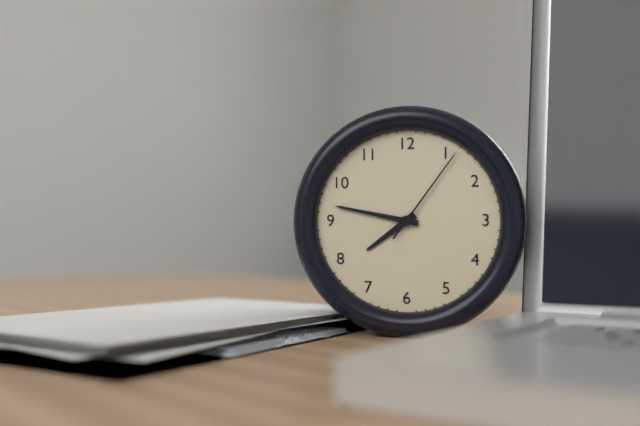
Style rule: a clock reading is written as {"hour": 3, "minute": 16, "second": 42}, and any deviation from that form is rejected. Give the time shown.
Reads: {"hour": 7, "minute": 47, "second": 6}
